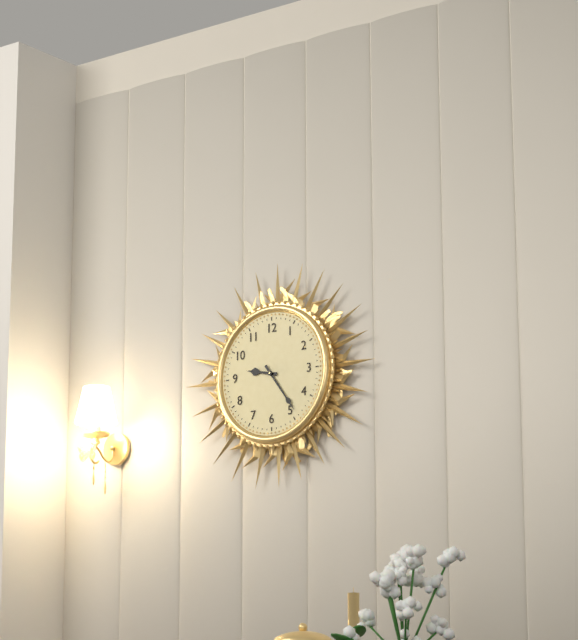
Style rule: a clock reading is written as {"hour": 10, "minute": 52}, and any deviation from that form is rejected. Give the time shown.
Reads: {"hour": 9, "minute": 24}
